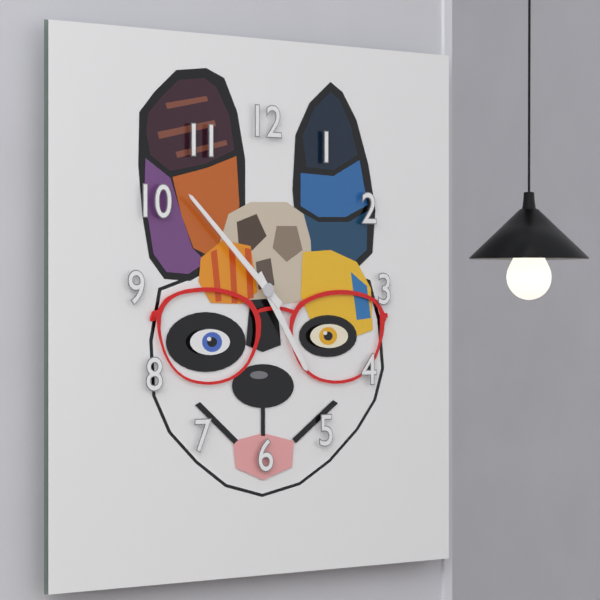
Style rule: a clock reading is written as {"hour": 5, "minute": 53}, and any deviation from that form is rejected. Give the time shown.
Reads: {"hour": 4, "minute": 52}
